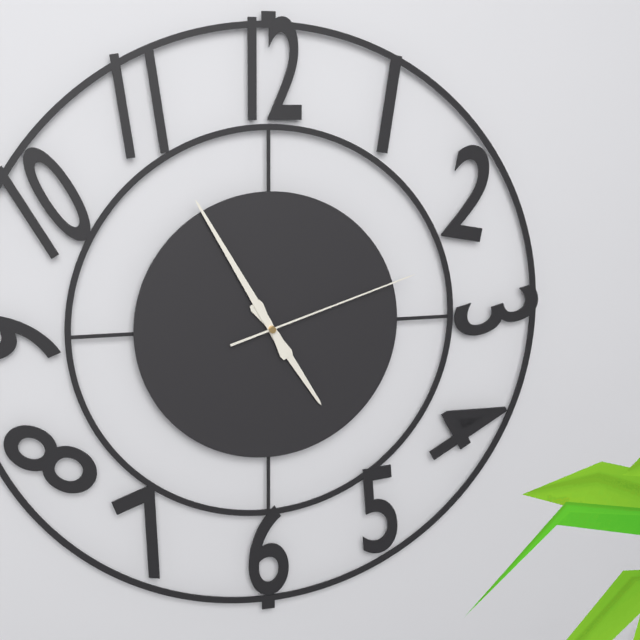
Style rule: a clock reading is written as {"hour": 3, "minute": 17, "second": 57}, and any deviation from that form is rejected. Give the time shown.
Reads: {"hour": 4, "minute": 55, "second": 12}
